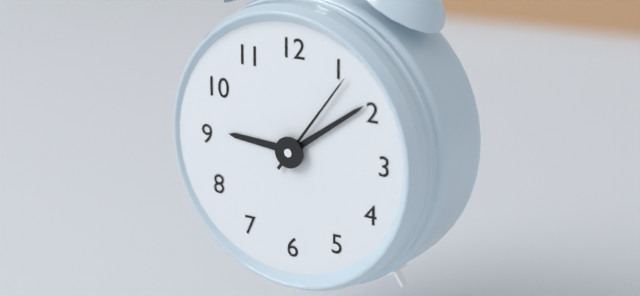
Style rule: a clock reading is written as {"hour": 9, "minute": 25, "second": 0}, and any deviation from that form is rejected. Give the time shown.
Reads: {"hour": 9, "minute": 9, "second": 6}
